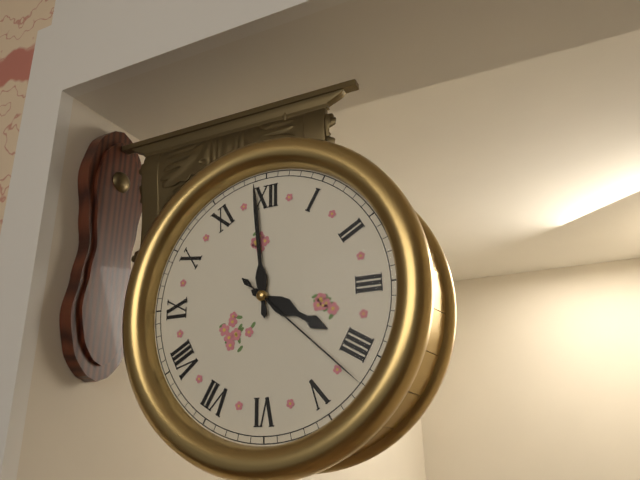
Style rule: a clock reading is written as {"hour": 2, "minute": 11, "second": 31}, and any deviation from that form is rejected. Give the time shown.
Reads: {"hour": 3, "minute": 59, "second": 22}
